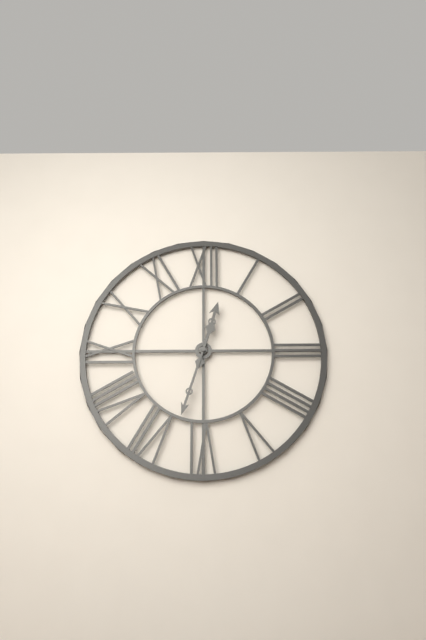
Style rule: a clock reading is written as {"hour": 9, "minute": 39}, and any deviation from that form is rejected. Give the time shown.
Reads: {"hour": 12, "minute": 33}
